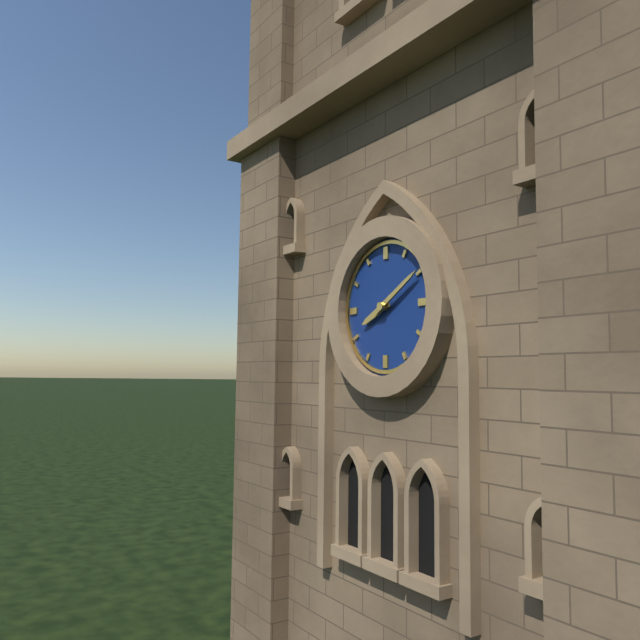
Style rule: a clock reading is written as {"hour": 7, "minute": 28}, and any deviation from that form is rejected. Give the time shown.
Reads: {"hour": 8, "minute": 10}
